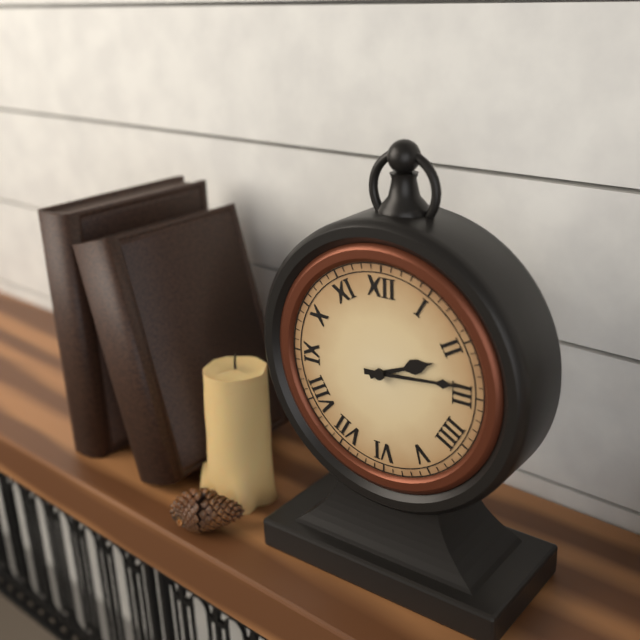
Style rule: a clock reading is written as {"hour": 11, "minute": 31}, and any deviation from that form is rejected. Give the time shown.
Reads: {"hour": 2, "minute": 14}
